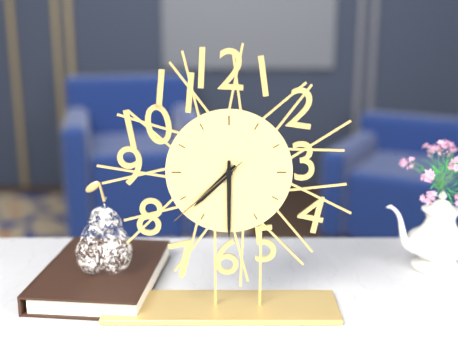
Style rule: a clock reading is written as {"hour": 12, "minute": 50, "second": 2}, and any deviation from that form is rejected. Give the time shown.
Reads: {"hour": 7, "minute": 30, "second": 38}
